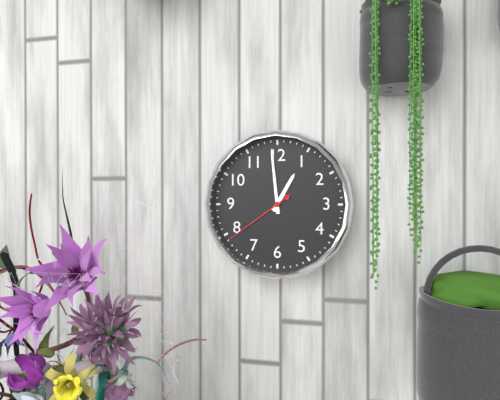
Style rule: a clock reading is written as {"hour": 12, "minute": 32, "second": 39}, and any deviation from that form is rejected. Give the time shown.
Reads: {"hour": 12, "minute": 59, "second": 39}
